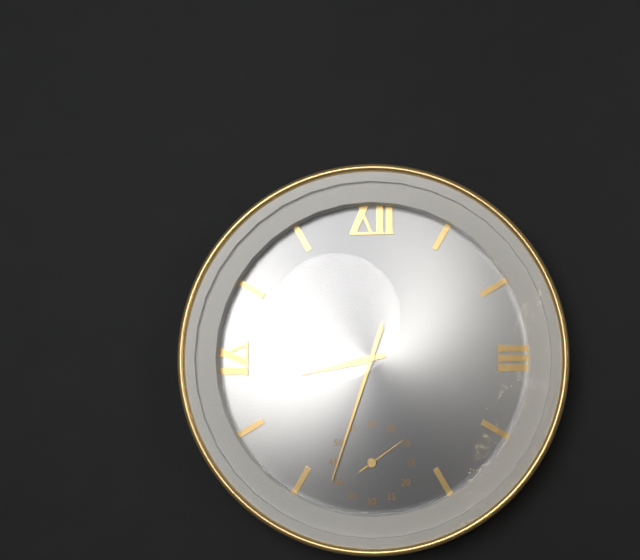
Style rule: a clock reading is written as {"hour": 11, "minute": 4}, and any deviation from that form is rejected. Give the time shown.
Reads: {"hour": 8, "minute": 33}
